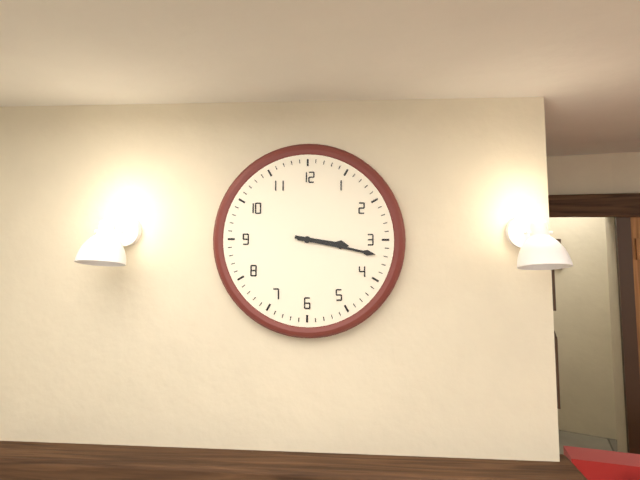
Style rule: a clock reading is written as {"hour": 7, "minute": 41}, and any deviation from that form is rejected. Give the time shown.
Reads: {"hour": 3, "minute": 17}
